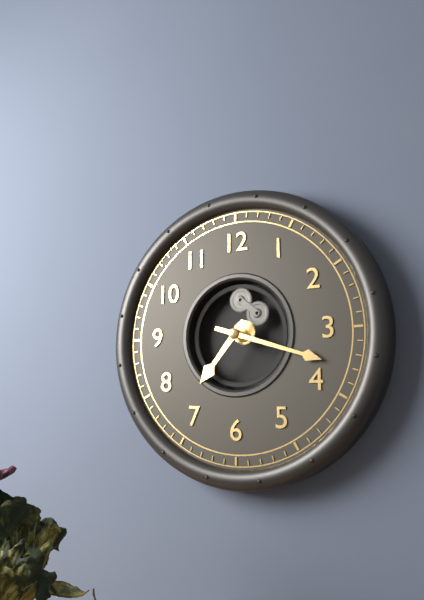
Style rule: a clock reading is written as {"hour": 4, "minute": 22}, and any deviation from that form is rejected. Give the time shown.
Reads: {"hour": 7, "minute": 18}
